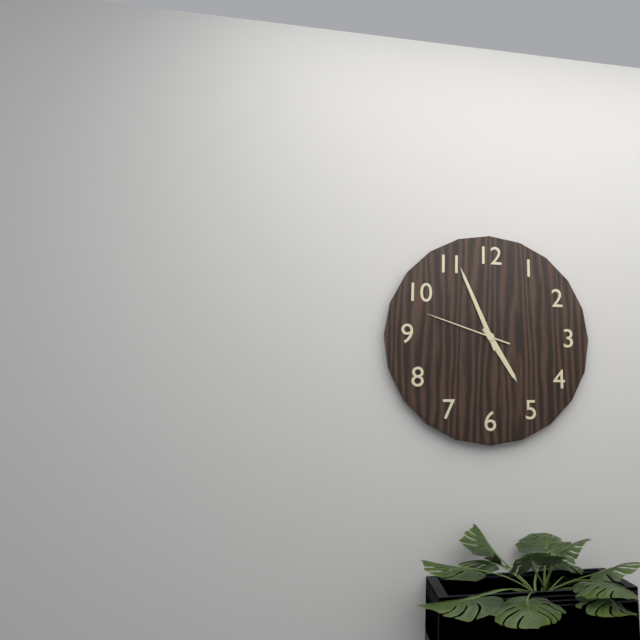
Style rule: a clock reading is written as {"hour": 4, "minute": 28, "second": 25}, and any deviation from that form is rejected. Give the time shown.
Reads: {"hour": 4, "minute": 56, "second": 48}
